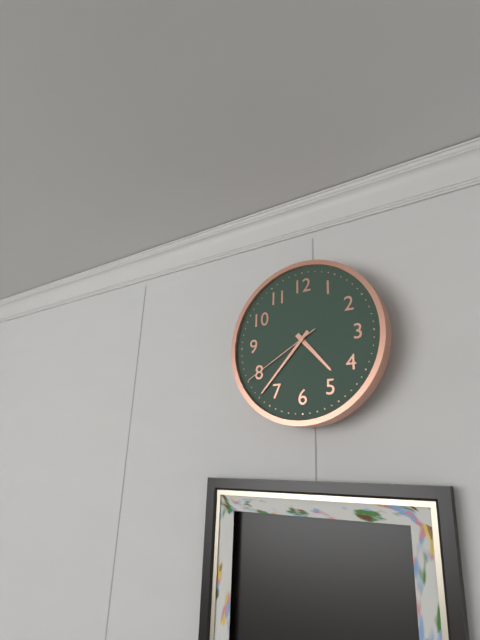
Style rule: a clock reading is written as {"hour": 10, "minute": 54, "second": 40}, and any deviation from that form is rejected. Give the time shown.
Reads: {"hour": 4, "minute": 37, "second": 40}
